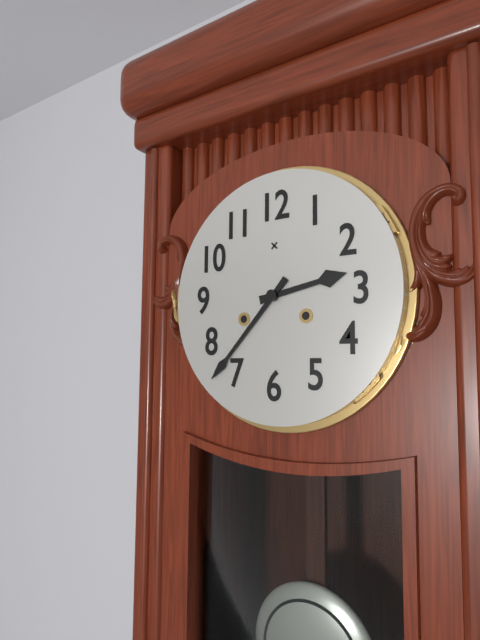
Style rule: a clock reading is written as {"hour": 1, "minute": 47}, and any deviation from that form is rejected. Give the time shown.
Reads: {"hour": 2, "minute": 37}
